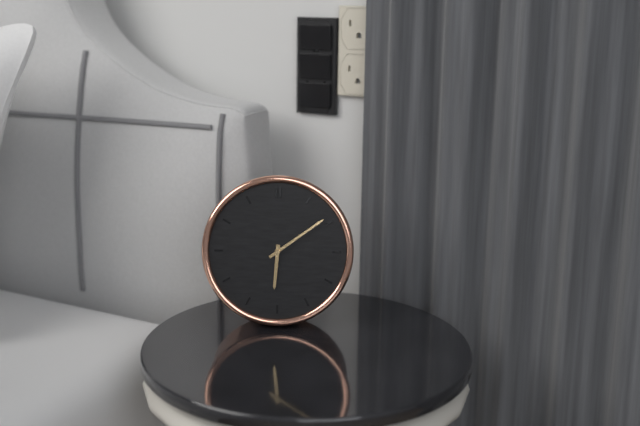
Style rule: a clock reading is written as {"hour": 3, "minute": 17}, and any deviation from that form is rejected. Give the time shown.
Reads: {"hour": 6, "minute": 9}
